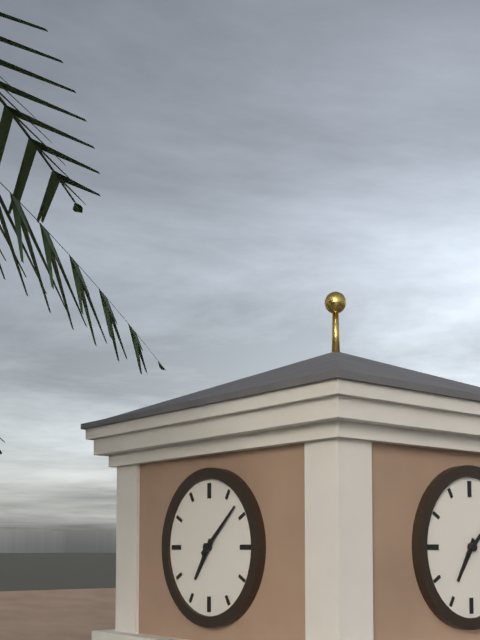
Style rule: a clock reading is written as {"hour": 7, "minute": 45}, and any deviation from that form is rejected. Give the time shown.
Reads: {"hour": 7, "minute": 8}
